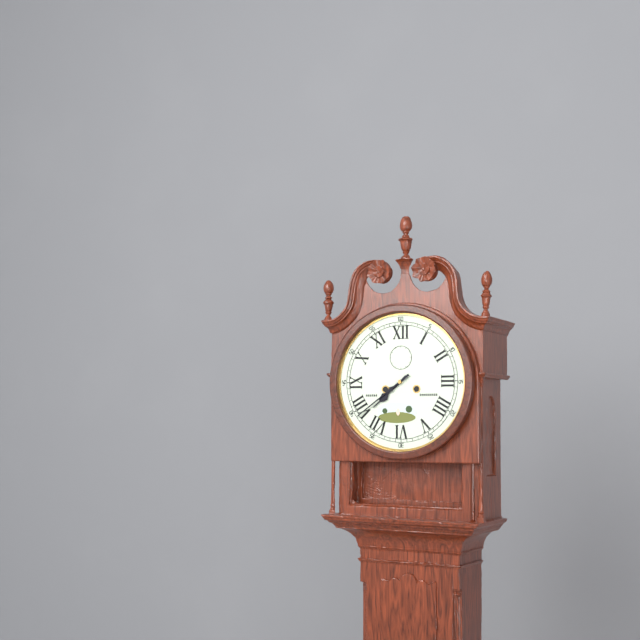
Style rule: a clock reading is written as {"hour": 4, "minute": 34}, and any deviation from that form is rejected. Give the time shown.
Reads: {"hour": 7, "minute": 39}
